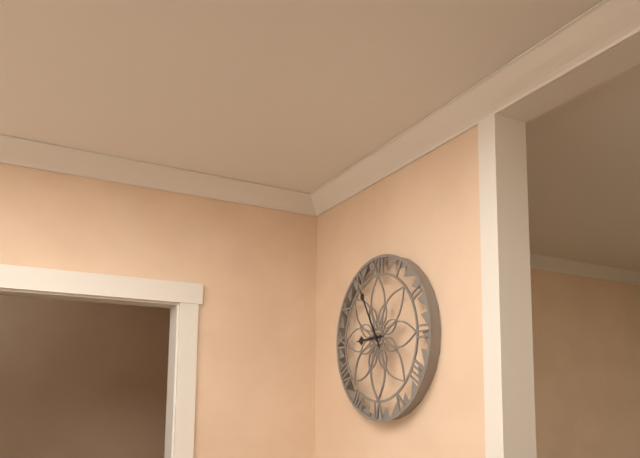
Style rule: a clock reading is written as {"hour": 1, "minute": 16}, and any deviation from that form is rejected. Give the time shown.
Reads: {"hour": 8, "minute": 55}
